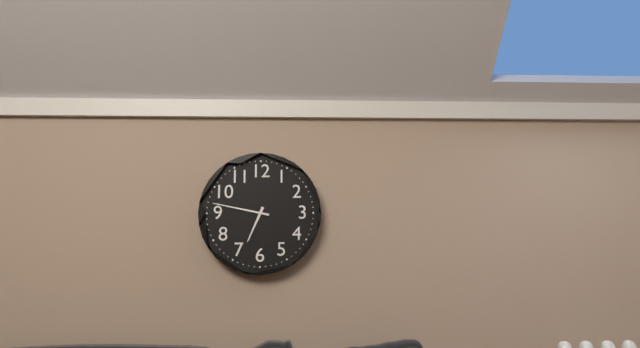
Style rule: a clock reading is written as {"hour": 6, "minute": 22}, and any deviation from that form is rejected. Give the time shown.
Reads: {"hour": 6, "minute": 47}
